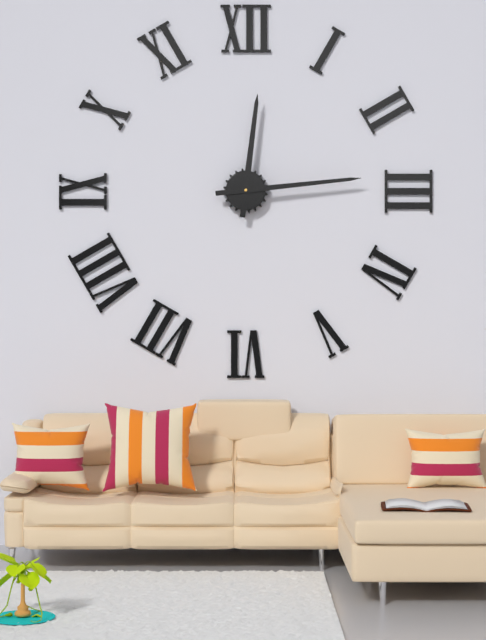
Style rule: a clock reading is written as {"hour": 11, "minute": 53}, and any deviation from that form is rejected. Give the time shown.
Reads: {"hour": 12, "minute": 14}
